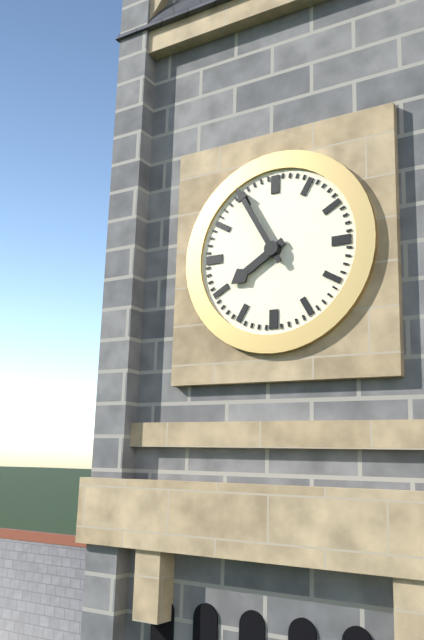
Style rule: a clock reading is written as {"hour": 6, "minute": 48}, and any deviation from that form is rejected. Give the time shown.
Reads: {"hour": 7, "minute": 55}
